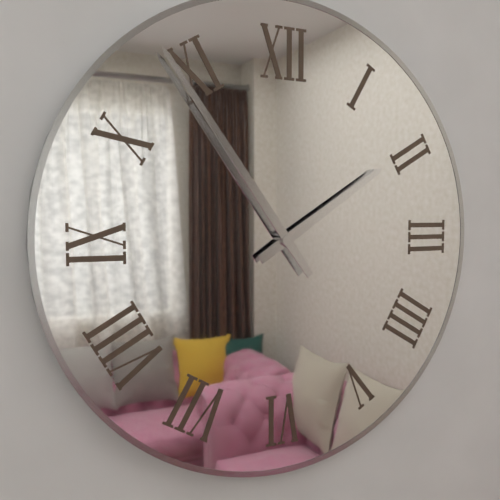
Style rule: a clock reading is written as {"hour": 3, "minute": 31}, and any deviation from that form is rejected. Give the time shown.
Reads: {"hour": 1, "minute": 54}
